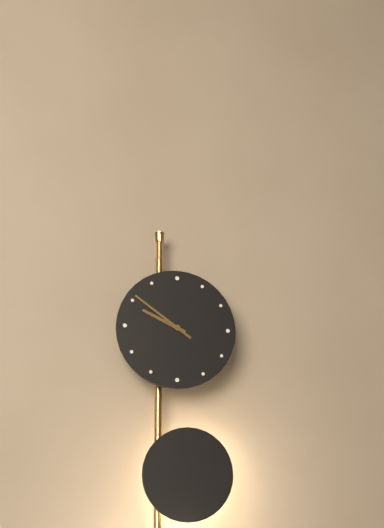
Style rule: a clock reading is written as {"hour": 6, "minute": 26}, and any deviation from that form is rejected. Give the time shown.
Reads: {"hour": 9, "minute": 51}
